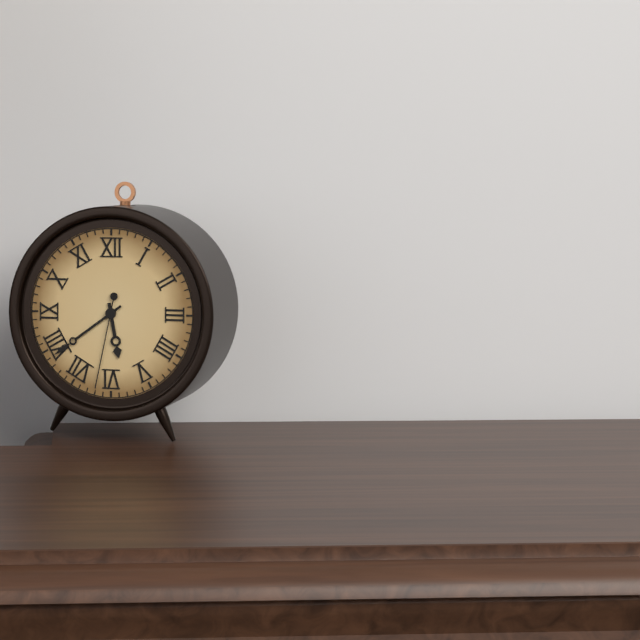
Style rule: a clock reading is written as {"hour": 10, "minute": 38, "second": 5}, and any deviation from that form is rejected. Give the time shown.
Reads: {"hour": 5, "minute": 39, "second": 32}
